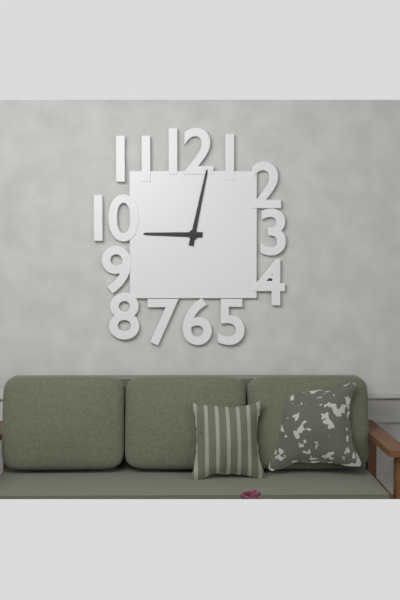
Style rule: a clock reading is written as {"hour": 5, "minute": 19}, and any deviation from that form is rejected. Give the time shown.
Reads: {"hour": 9, "minute": 2}
